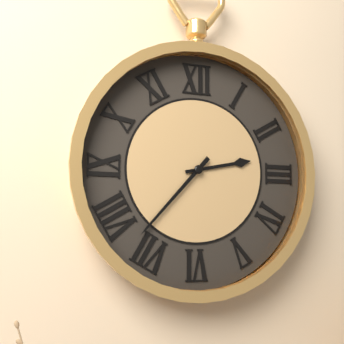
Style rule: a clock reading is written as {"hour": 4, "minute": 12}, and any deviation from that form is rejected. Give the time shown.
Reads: {"hour": 2, "minute": 37}
